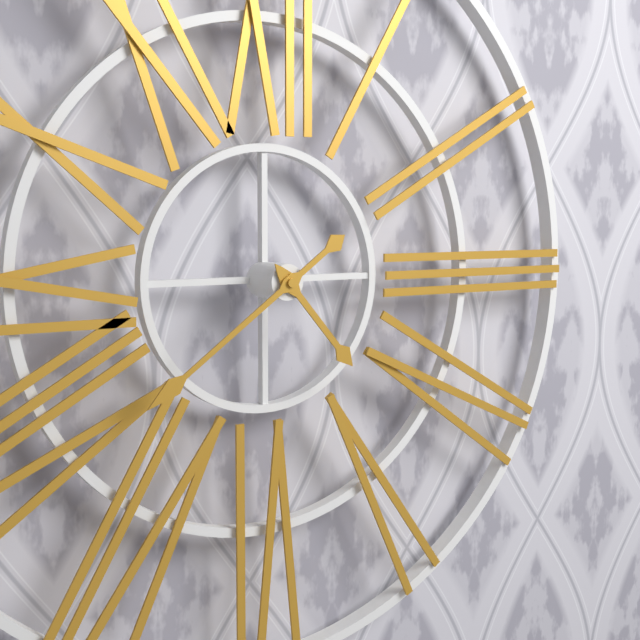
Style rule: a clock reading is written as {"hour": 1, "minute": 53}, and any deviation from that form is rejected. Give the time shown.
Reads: {"hour": 4, "minute": 39}
